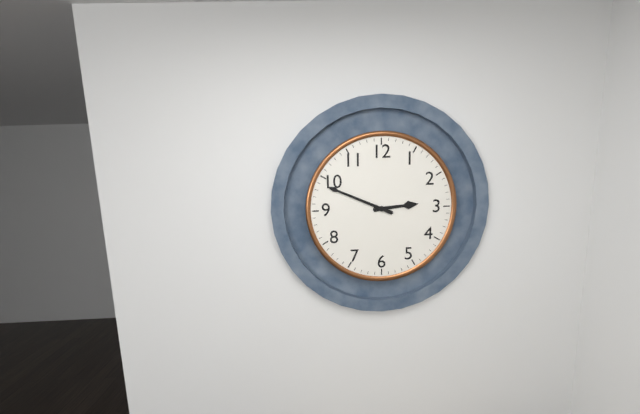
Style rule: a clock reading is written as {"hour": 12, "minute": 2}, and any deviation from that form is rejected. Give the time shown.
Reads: {"hour": 2, "minute": 49}
